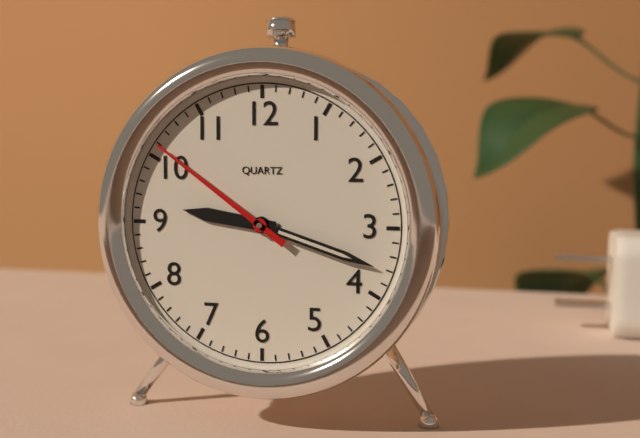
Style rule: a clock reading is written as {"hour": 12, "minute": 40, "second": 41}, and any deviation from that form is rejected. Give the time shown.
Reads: {"hour": 9, "minute": 18, "second": 51}
